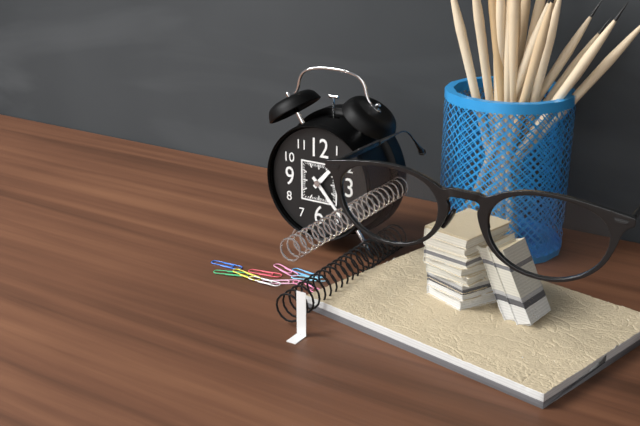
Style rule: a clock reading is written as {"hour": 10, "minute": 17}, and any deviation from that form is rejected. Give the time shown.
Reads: {"hour": 1, "minute": 23}
